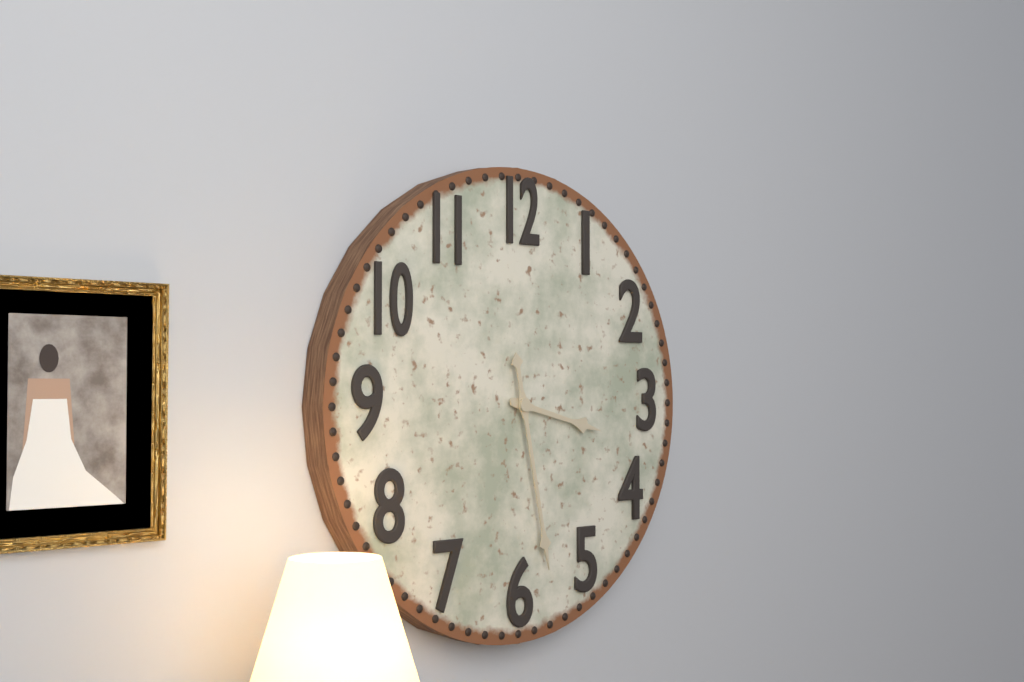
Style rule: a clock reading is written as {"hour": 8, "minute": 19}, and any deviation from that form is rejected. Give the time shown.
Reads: {"hour": 3, "minute": 28}
